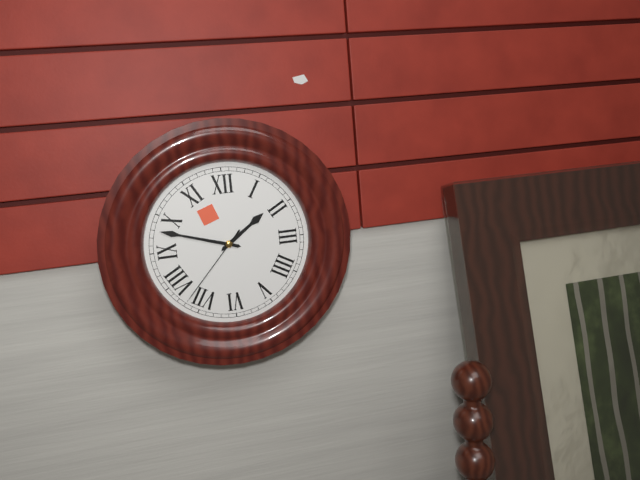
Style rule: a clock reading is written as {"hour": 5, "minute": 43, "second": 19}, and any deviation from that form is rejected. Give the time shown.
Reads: {"hour": 1, "minute": 48, "second": 37}
